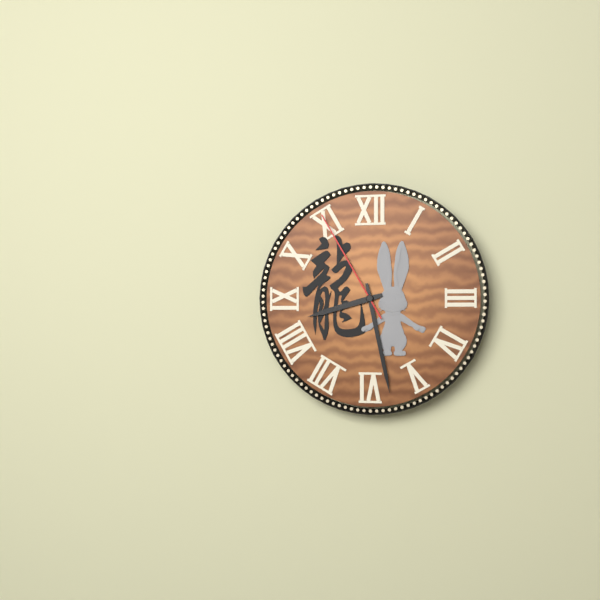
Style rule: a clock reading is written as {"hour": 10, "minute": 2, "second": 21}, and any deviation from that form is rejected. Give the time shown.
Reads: {"hour": 8, "minute": 28, "second": 55}
